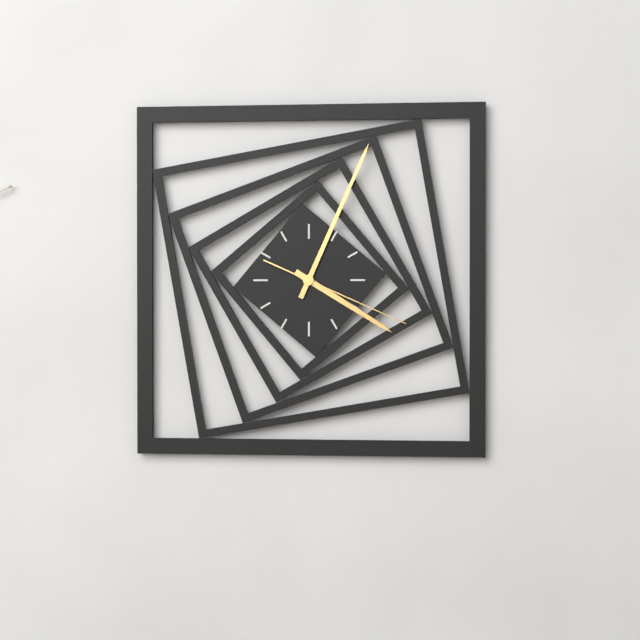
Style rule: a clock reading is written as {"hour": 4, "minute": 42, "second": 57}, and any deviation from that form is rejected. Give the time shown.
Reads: {"hour": 4, "minute": 4, "second": 19}
